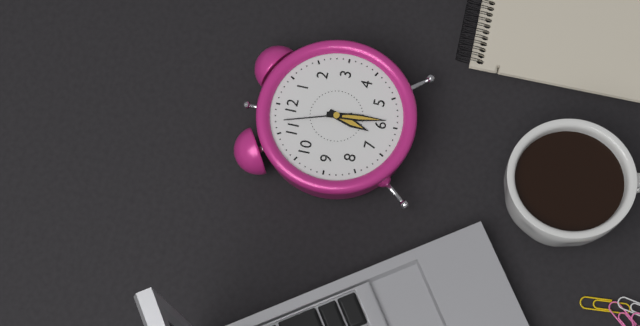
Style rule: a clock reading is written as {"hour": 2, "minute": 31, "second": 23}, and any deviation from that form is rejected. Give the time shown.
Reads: {"hour": 6, "minute": 29, "second": 57}
